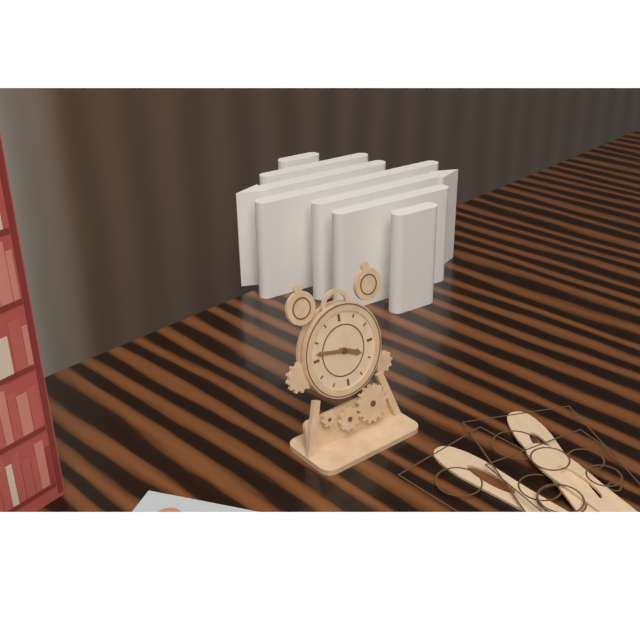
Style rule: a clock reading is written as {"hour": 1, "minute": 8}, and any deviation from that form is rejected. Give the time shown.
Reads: {"hour": 3, "minute": 47}
